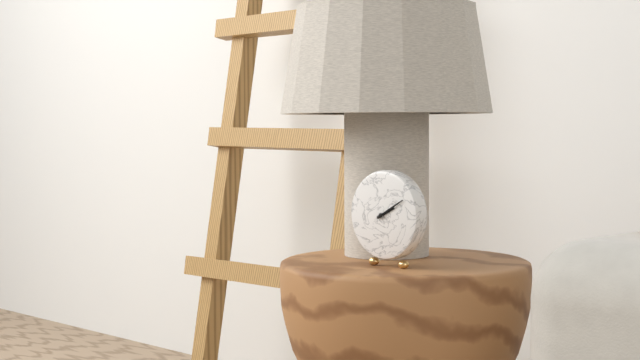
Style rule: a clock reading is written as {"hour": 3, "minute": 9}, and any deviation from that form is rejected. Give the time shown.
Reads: {"hour": 2, "minute": 10}
